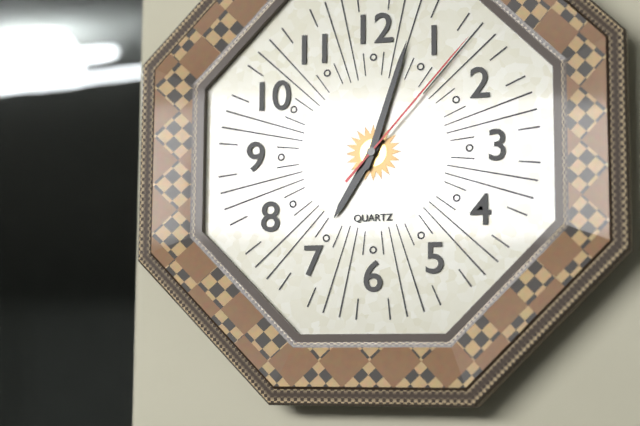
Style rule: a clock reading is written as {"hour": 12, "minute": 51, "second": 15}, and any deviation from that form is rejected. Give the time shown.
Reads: {"hour": 7, "minute": 3, "second": 7}
